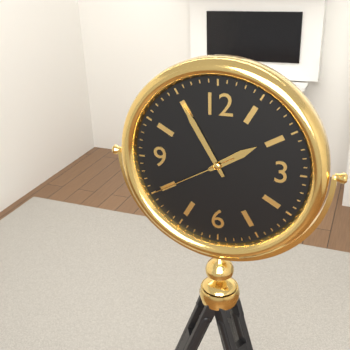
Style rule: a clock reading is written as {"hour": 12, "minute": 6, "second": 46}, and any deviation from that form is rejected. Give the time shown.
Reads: {"hour": 1, "minute": 55, "second": 40}
